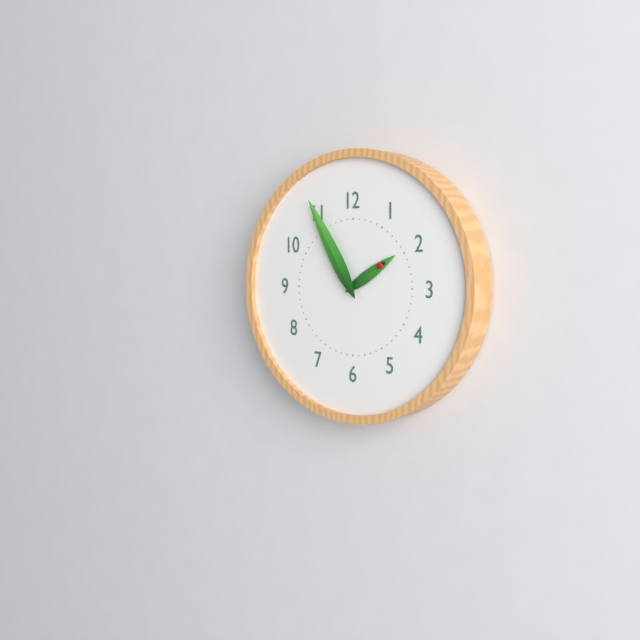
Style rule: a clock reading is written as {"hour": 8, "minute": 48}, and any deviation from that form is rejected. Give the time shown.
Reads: {"hour": 1, "minute": 55}
